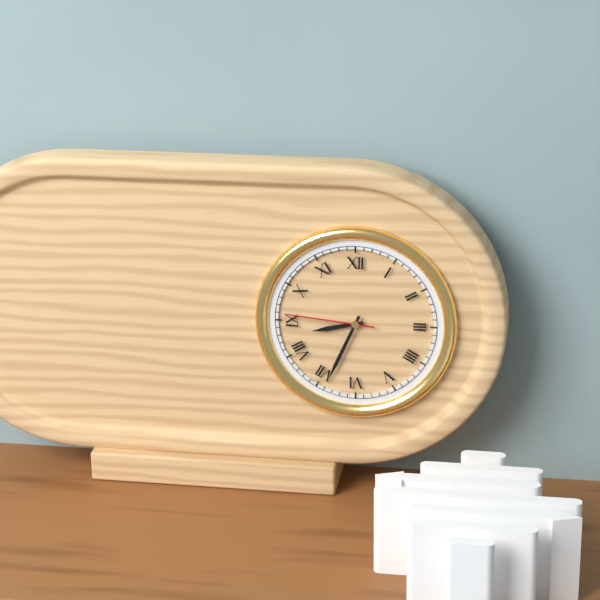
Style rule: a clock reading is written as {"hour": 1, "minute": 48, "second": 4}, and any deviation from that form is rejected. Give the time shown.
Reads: {"hour": 8, "minute": 34, "second": 46}
